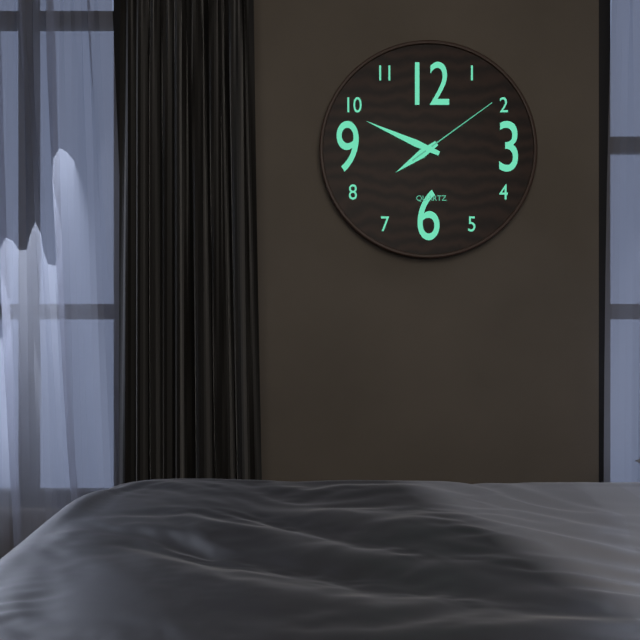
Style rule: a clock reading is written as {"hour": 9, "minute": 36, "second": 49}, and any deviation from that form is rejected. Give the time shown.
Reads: {"hour": 7, "minute": 49, "second": 9}
